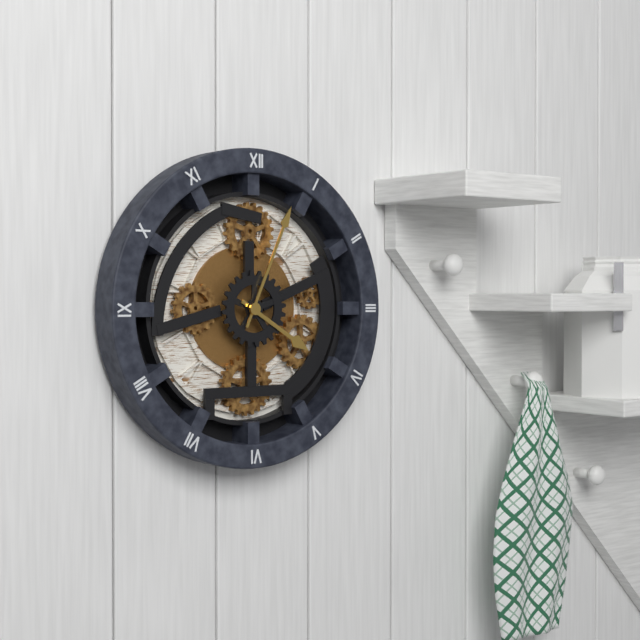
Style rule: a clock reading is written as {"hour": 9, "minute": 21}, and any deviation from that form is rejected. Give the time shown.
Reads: {"hour": 4, "minute": 4}
